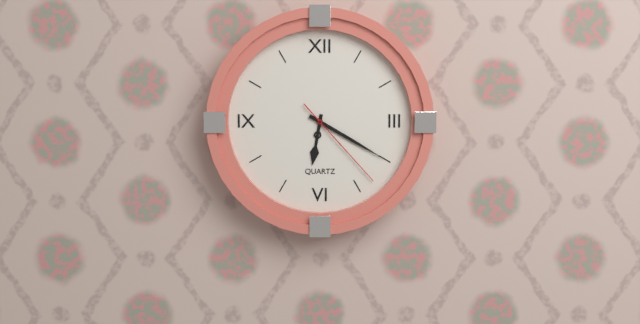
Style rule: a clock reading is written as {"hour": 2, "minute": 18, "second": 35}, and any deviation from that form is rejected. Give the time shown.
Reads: {"hour": 6, "minute": 20, "second": 23}
